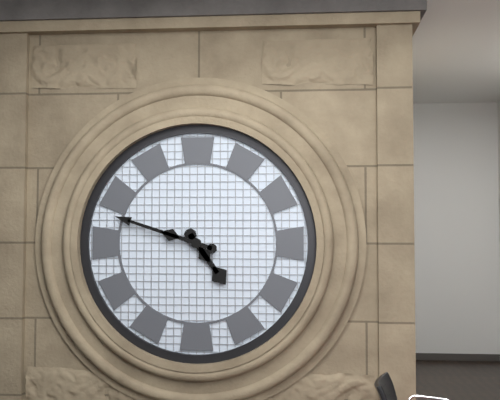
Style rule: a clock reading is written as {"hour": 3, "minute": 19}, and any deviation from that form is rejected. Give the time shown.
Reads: {"hour": 4, "minute": 48}
